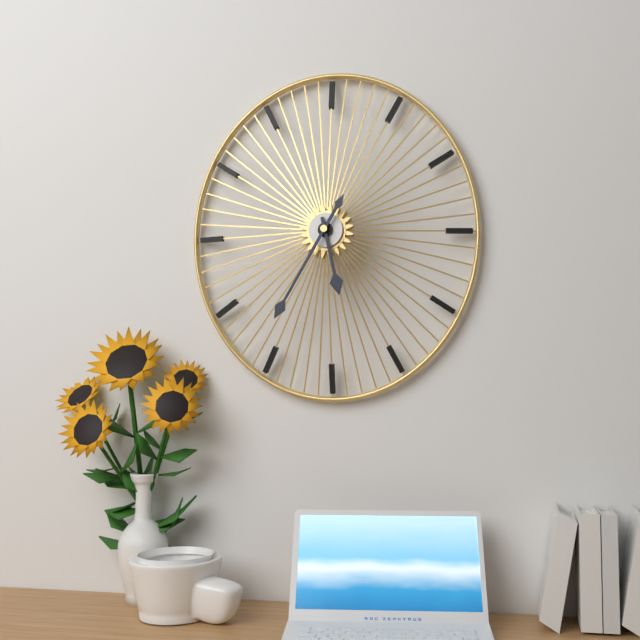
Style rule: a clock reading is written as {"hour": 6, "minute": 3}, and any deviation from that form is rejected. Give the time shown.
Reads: {"hour": 5, "minute": 35}
